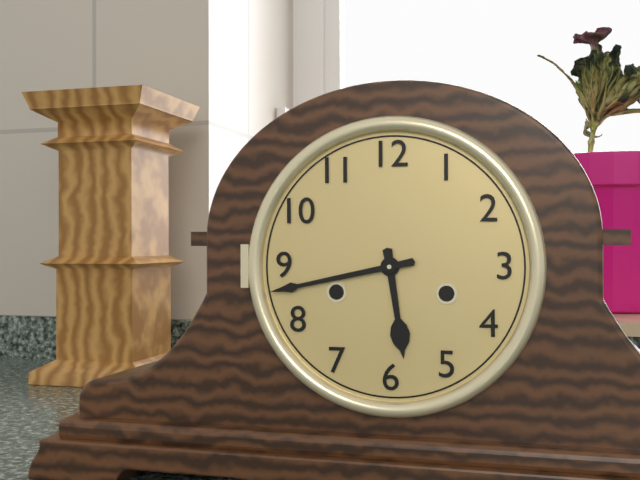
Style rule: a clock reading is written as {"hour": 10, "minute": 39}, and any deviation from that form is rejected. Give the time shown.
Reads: {"hour": 5, "minute": 43}
